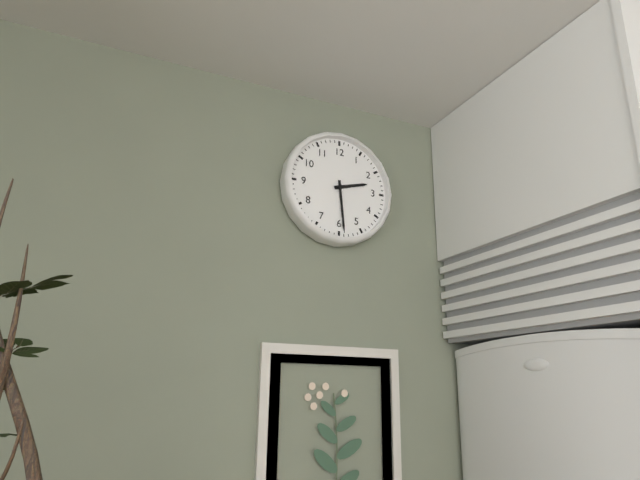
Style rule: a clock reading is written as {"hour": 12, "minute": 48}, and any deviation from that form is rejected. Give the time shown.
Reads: {"hour": 2, "minute": 29}
